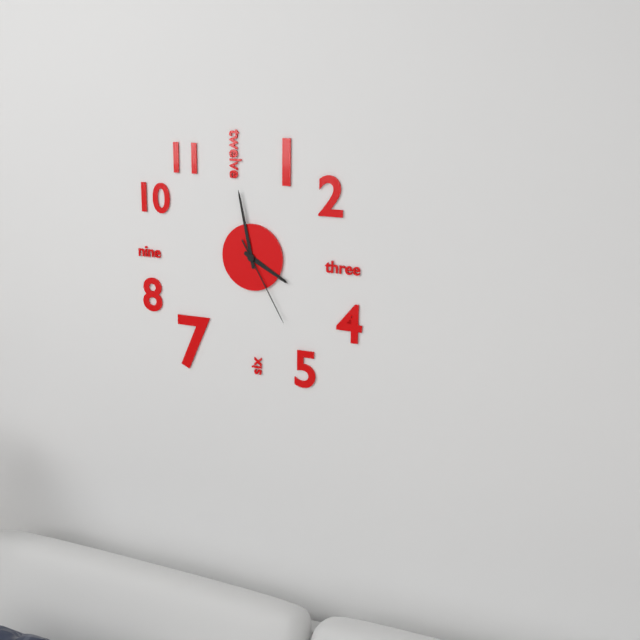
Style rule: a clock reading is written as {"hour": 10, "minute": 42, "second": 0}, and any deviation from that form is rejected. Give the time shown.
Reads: {"hour": 3, "minute": 58, "second": 25}
